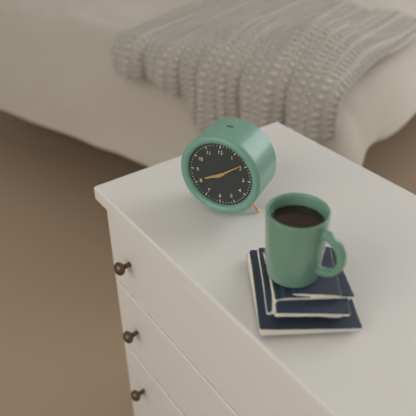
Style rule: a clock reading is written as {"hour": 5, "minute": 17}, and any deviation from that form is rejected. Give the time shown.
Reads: {"hour": 8, "minute": 9}
